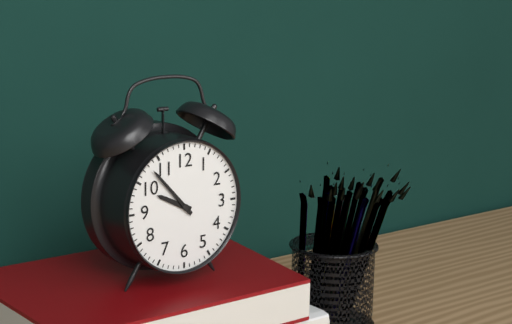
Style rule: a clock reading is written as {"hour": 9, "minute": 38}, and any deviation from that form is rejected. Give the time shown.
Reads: {"hour": 9, "minute": 53}
